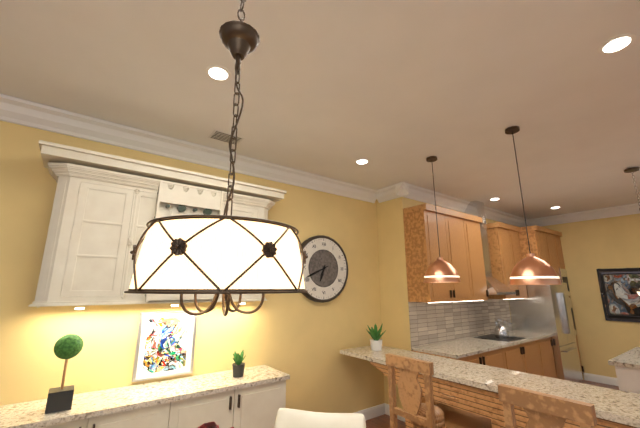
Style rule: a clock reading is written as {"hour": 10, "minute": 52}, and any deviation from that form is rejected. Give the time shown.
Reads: {"hour": 6, "minute": 41}
